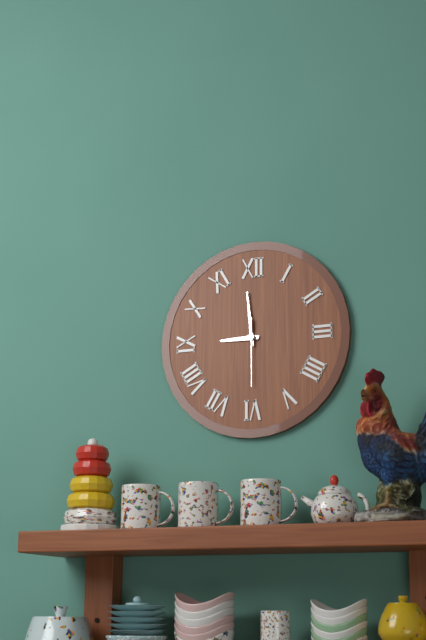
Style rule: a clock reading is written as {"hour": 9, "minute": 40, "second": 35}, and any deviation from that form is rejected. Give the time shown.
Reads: {"hour": 8, "minute": 59, "second": 30}
